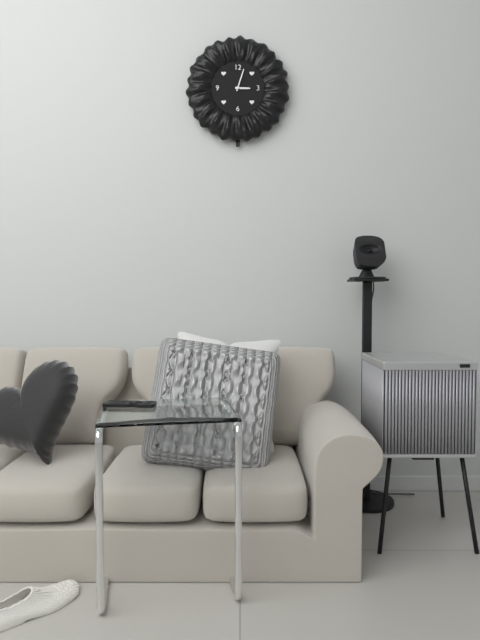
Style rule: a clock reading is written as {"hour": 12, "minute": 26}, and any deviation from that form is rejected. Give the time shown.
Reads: {"hour": 3, "minute": 3}
